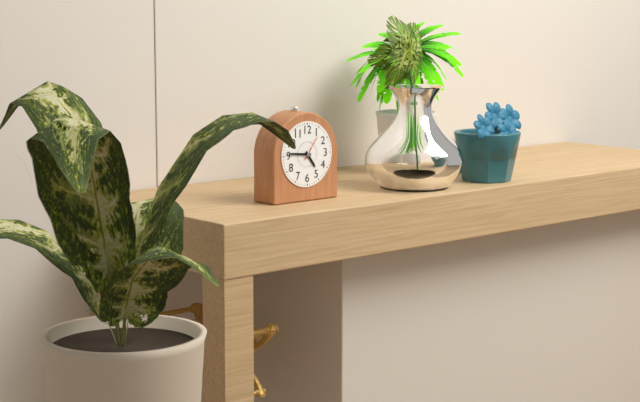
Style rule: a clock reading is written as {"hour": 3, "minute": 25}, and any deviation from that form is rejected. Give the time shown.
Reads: {"hour": 4, "minute": 46}
